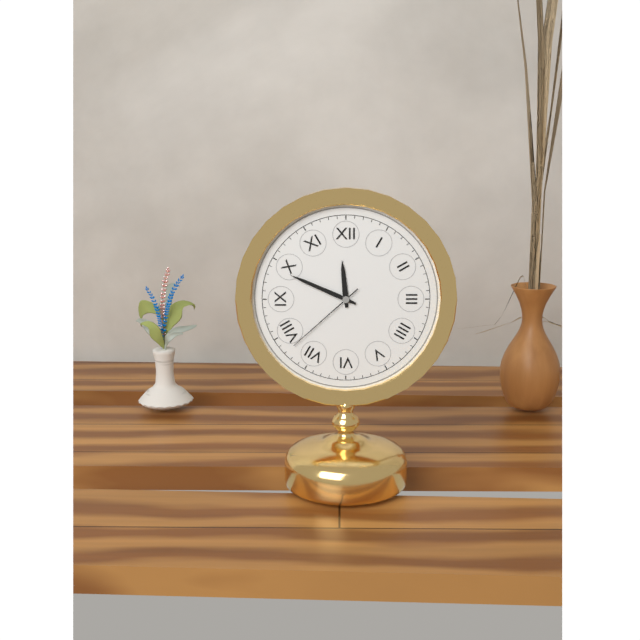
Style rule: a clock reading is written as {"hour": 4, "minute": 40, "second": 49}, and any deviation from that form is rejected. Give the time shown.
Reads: {"hour": 11, "minute": 49, "second": 38}
